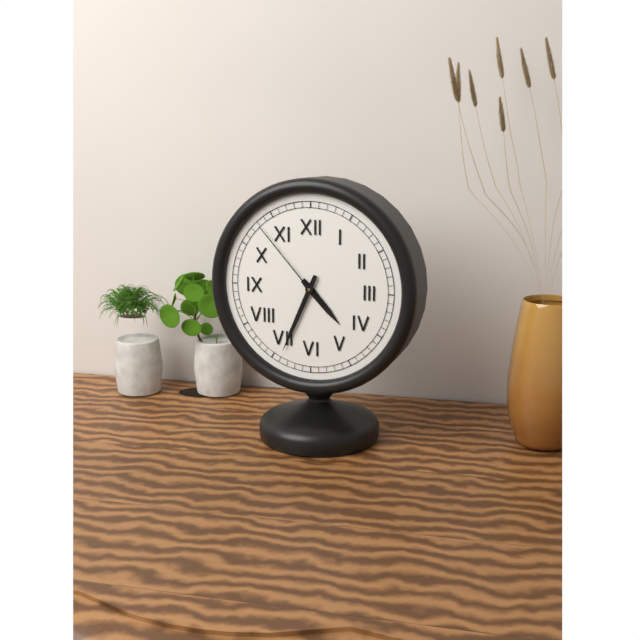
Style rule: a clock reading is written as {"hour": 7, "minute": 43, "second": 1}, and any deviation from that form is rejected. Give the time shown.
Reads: {"hour": 4, "minute": 34, "second": 53}
